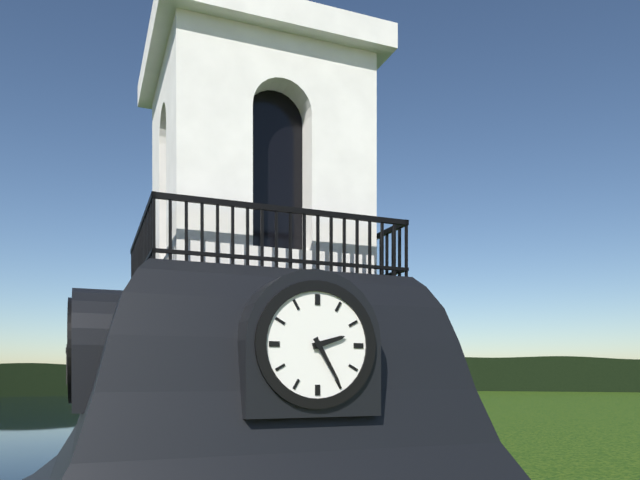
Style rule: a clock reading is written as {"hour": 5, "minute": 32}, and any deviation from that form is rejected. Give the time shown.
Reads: {"hour": 2, "minute": 25}
